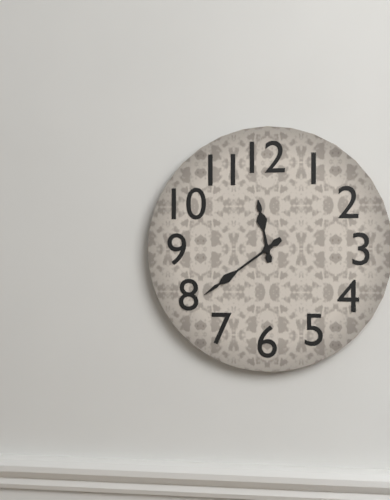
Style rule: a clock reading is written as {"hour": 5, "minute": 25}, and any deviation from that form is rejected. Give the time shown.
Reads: {"hour": 11, "minute": 39}
